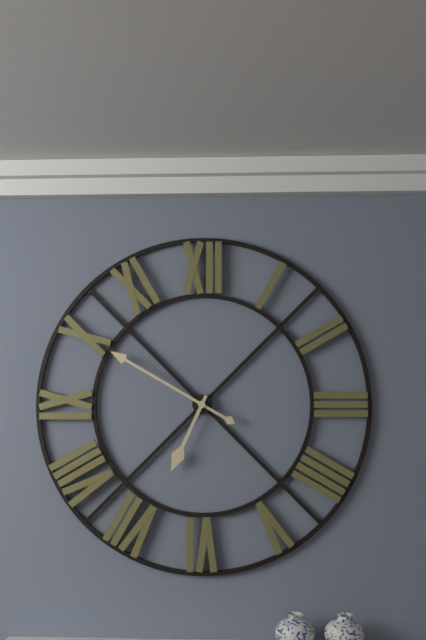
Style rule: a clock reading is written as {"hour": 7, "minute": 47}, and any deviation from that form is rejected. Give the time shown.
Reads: {"hour": 6, "minute": 50}
